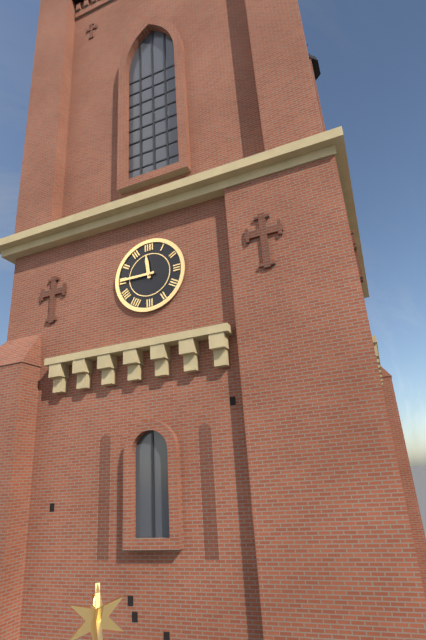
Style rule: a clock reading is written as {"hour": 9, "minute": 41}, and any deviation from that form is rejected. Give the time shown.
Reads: {"hour": 11, "minute": 45}
